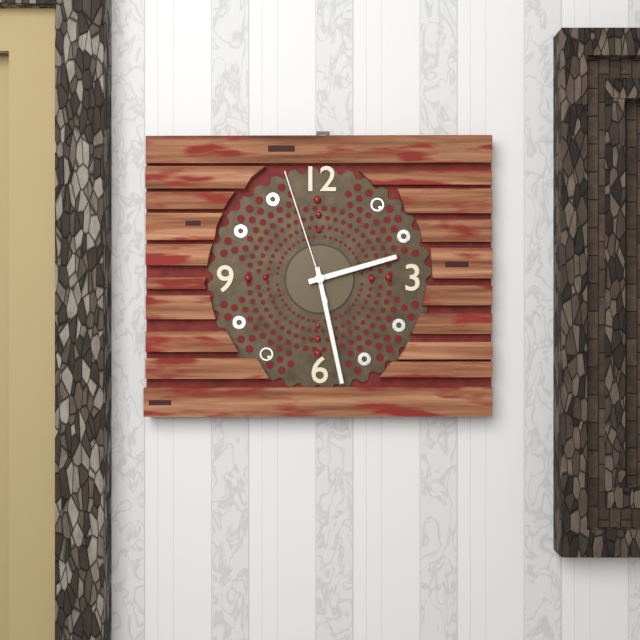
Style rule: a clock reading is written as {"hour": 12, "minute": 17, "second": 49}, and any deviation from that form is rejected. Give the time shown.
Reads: {"hour": 2, "minute": 28, "second": 57}
